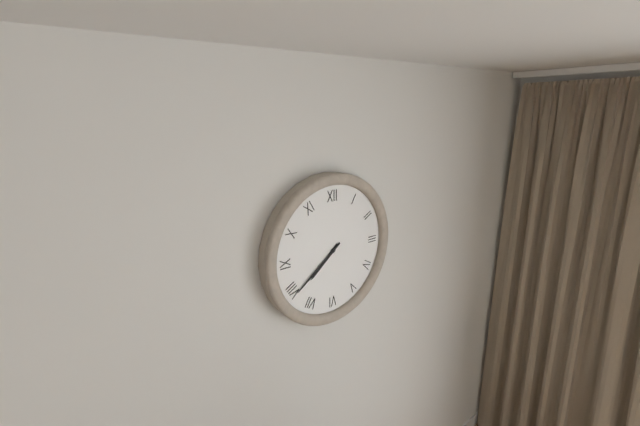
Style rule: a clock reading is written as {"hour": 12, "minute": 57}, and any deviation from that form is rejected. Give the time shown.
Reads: {"hour": 7, "minute": 39}
